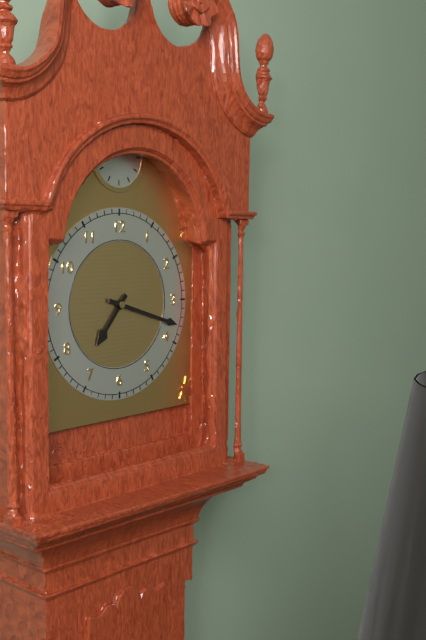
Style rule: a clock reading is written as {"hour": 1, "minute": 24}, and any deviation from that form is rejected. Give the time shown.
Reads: {"hour": 7, "minute": 18}
